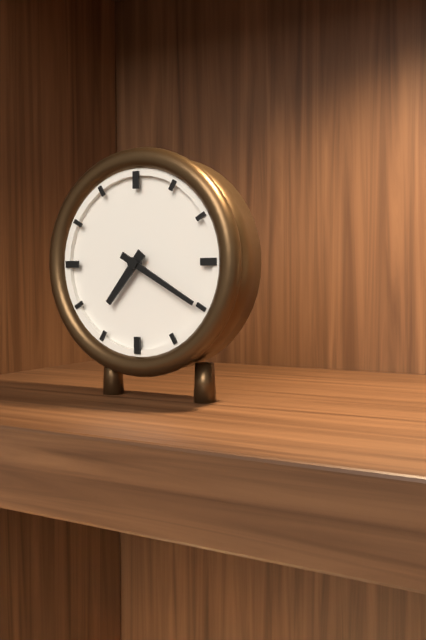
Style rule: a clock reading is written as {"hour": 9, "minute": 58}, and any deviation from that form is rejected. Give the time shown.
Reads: {"hour": 7, "minute": 20}
